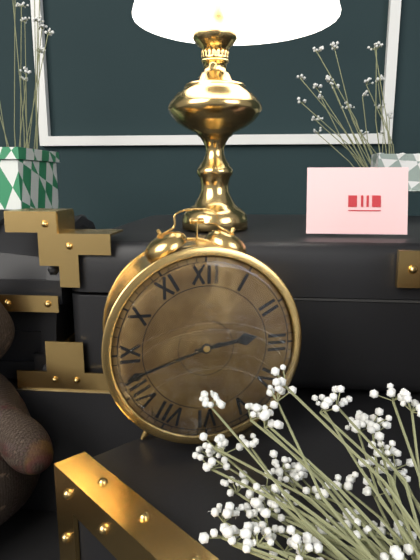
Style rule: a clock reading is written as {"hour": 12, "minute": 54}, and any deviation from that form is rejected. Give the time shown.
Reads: {"hour": 2, "minute": 42}
